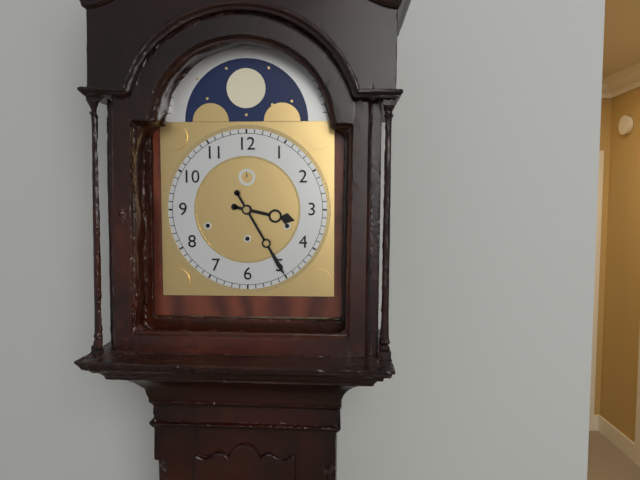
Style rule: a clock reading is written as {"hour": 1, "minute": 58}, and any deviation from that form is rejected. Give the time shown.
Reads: {"hour": 3, "minute": 25}
